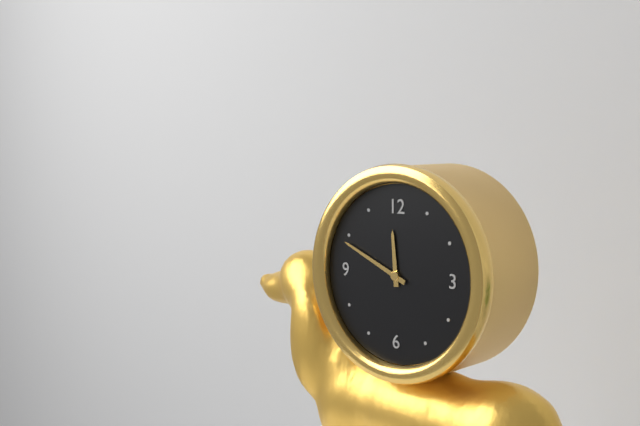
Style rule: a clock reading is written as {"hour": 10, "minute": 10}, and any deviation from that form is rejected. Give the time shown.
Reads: {"hour": 11, "minute": 49}
